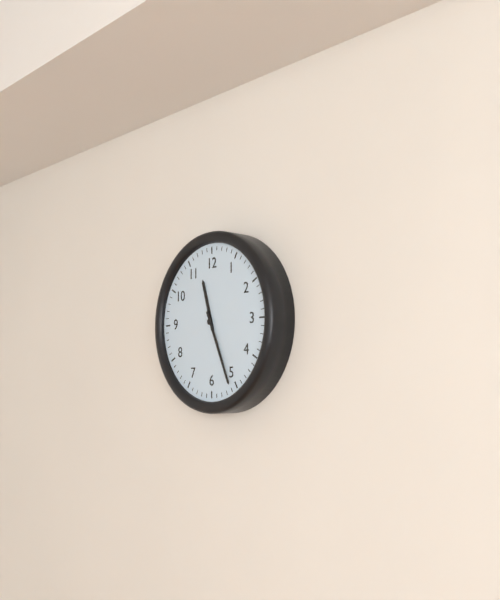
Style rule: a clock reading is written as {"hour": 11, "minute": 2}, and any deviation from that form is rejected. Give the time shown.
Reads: {"hour": 11, "minute": 26}
